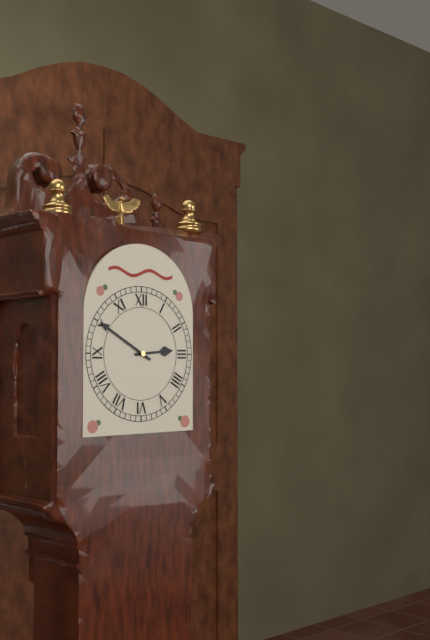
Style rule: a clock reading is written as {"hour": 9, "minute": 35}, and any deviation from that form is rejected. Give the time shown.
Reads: {"hour": 2, "minute": 50}
